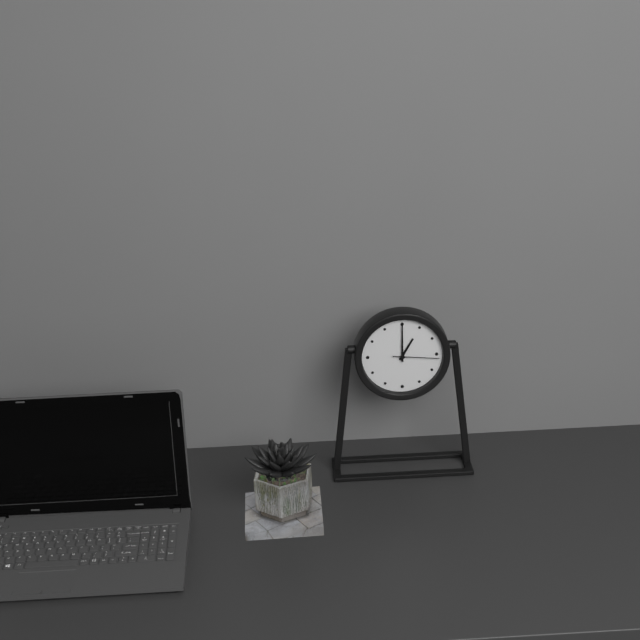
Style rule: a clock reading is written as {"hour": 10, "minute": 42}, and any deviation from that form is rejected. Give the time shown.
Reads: {"hour": 1, "minute": 0}
